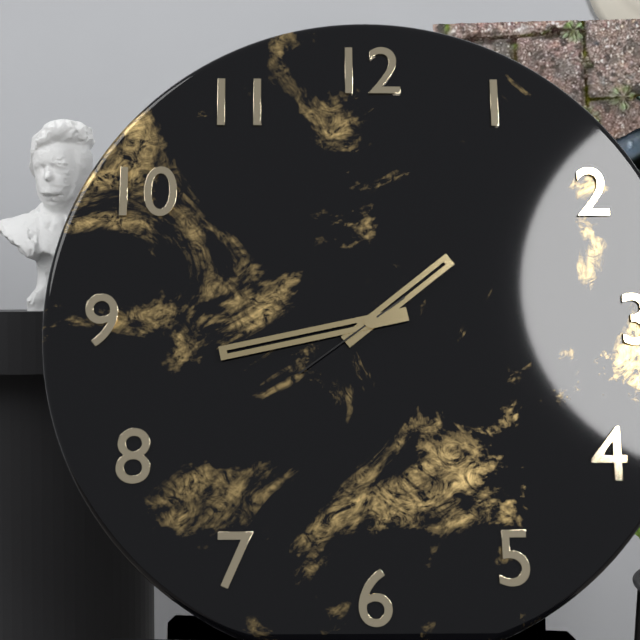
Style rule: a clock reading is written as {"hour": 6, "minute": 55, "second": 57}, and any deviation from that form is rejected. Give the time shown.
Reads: {"hour": 1, "minute": 43, "second": 39}
